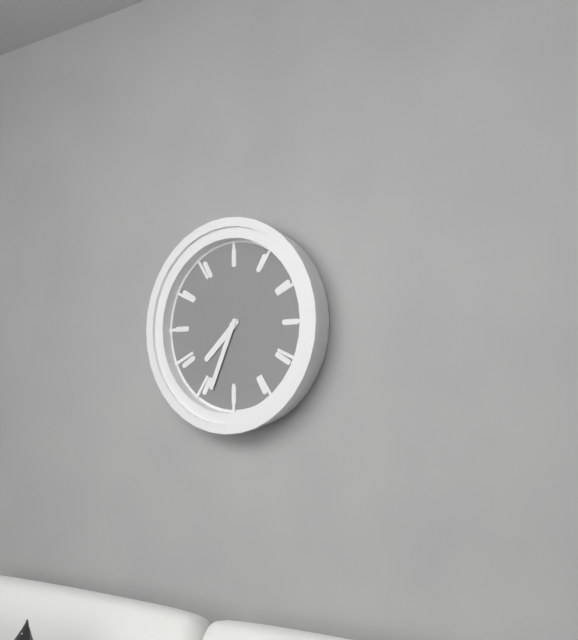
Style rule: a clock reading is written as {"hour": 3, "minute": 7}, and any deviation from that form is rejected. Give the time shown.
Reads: {"hour": 7, "minute": 34}
